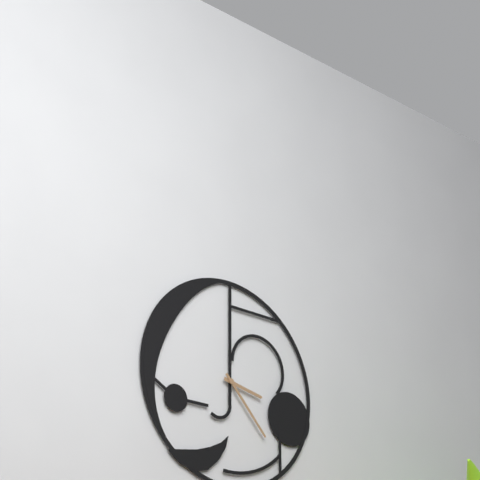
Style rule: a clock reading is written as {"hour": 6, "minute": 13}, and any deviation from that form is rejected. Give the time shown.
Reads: {"hour": 3, "minute": 23}
